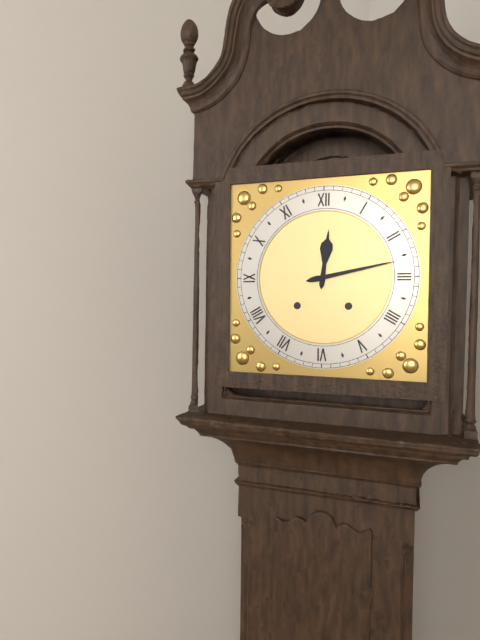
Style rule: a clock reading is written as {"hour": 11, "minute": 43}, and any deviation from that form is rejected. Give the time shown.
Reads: {"hour": 12, "minute": 13}
